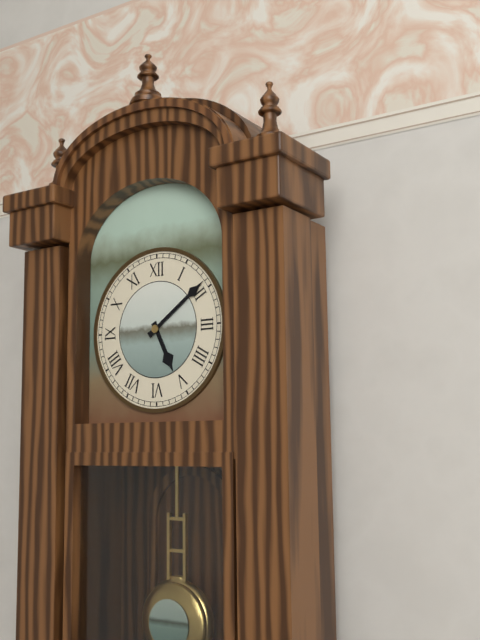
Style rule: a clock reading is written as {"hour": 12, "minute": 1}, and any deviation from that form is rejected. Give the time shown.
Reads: {"hour": 5, "minute": 9}
